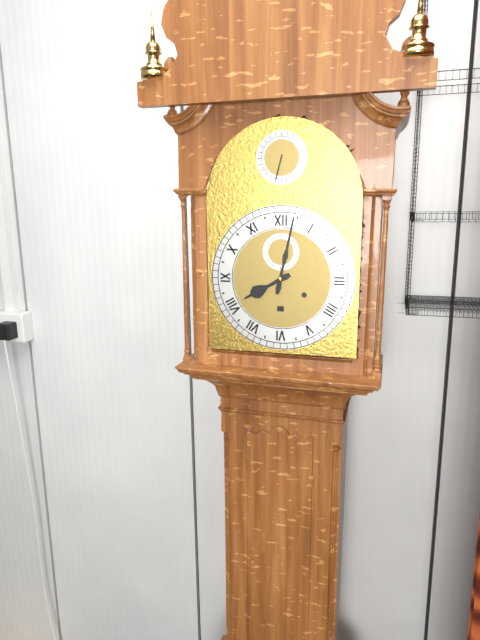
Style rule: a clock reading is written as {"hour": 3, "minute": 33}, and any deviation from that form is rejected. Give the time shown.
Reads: {"hour": 8, "minute": 2}
